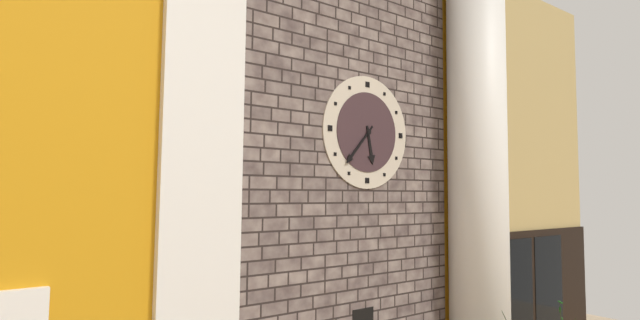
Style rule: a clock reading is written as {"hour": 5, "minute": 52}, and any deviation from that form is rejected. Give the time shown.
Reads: {"hour": 5, "minute": 37}
